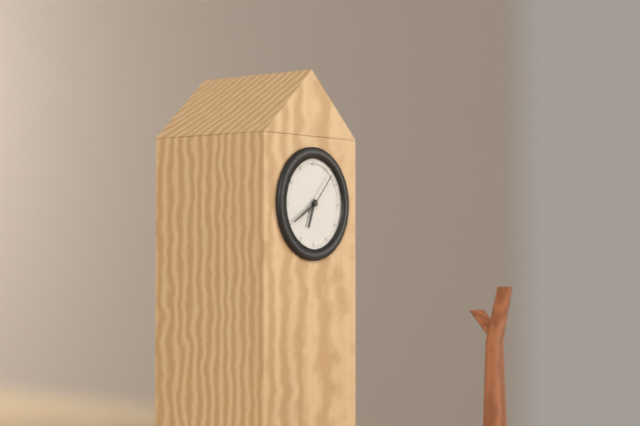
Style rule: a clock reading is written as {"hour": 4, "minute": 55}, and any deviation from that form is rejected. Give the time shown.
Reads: {"hour": 6, "minute": 40}
